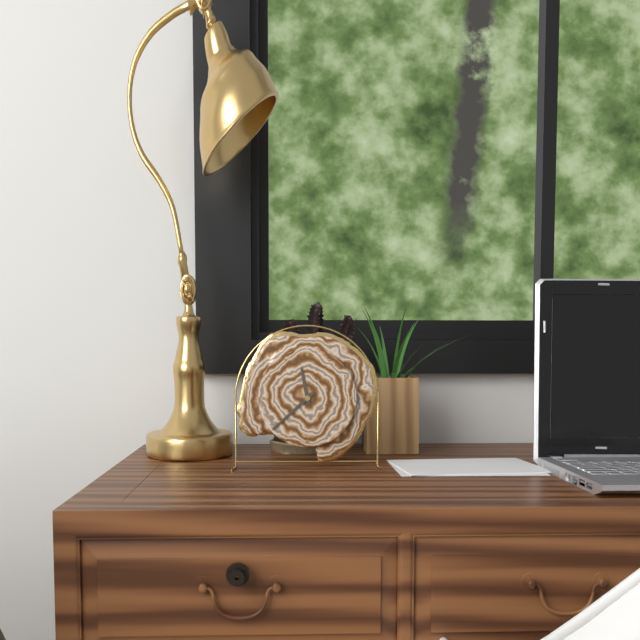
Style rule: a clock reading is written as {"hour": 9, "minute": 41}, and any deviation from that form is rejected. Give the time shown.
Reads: {"hour": 11, "minute": 38}
